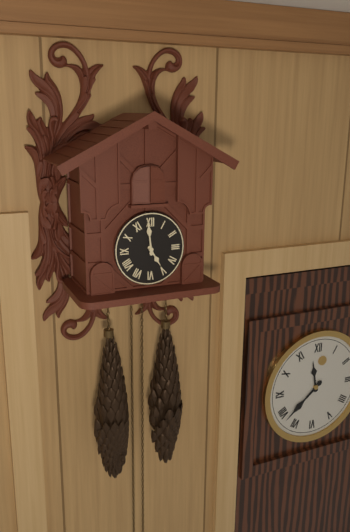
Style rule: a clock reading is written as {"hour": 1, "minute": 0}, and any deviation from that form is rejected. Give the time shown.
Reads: {"hour": 4, "minute": 59}
